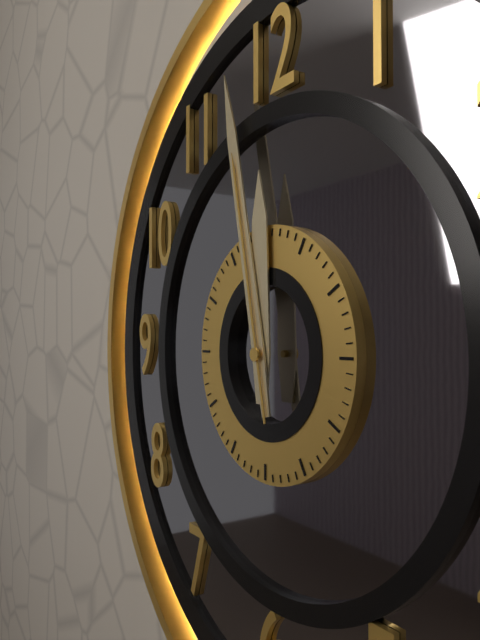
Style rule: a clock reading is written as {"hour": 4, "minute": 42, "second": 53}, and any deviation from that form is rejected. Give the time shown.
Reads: {"hour": 11, "minute": 58, "second": 58}
